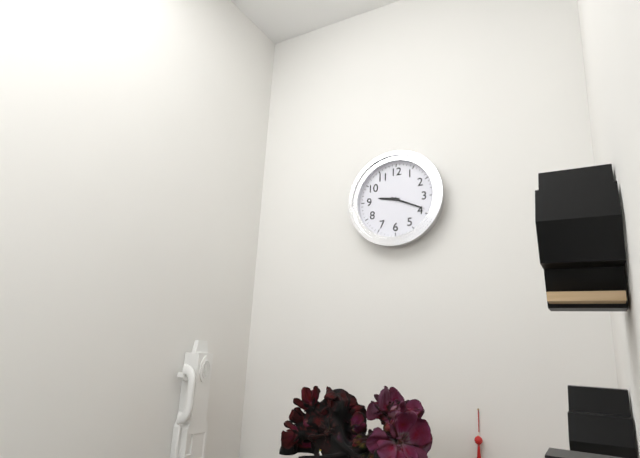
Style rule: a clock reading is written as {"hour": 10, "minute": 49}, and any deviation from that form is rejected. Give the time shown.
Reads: {"hour": 9, "minute": 19}
